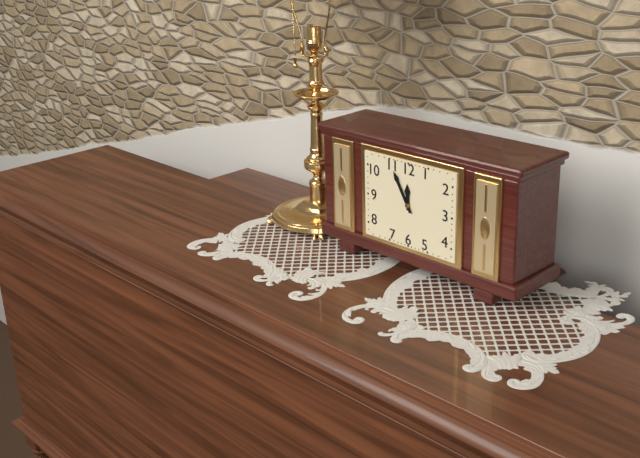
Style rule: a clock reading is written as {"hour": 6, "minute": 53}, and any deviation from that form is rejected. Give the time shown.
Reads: {"hour": 11, "minute": 55}
